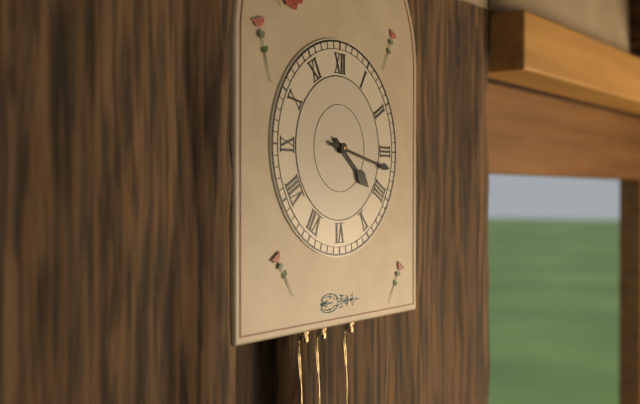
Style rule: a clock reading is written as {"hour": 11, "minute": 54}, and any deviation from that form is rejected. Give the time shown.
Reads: {"hour": 4, "minute": 17}
